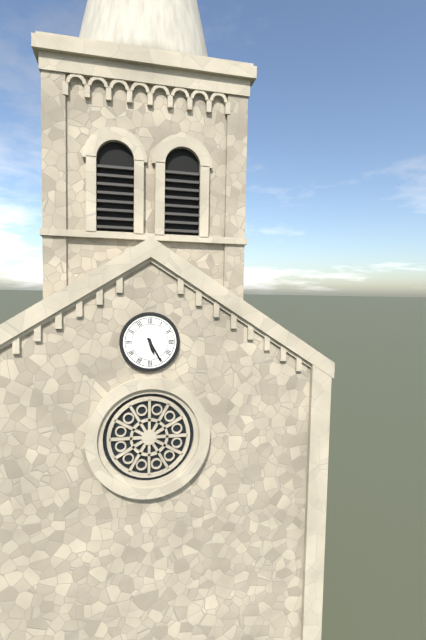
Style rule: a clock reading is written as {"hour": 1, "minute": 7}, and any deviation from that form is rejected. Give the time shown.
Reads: {"hour": 5, "minute": 25}
